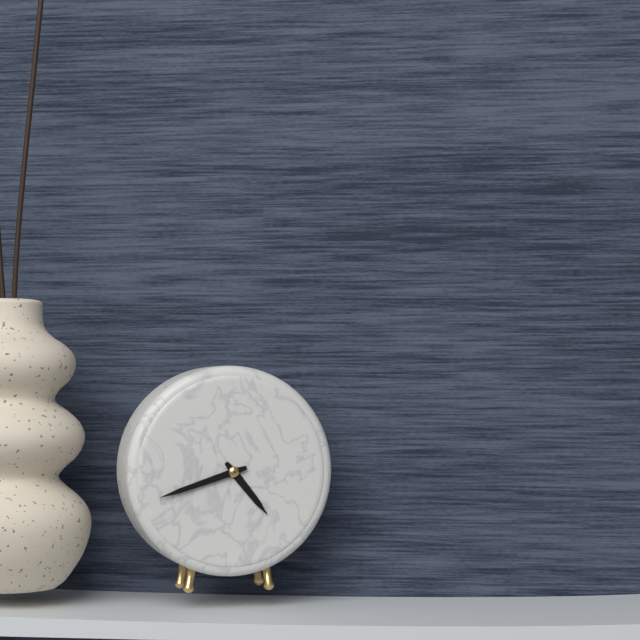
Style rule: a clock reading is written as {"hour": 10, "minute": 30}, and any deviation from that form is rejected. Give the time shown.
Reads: {"hour": 4, "minute": 42}
